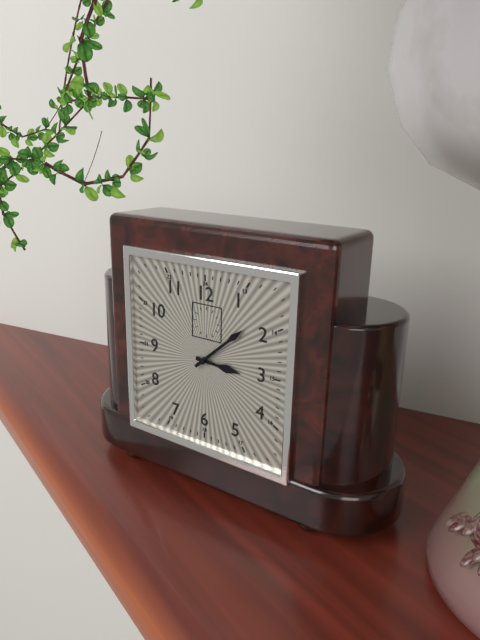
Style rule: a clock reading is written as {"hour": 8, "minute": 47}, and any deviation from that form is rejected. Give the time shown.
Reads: {"hour": 3, "minute": 8}
